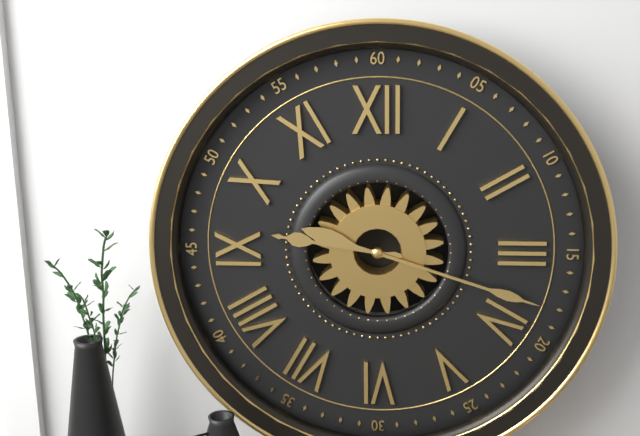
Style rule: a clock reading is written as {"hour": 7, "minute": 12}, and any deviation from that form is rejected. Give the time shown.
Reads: {"hour": 9, "minute": 18}
